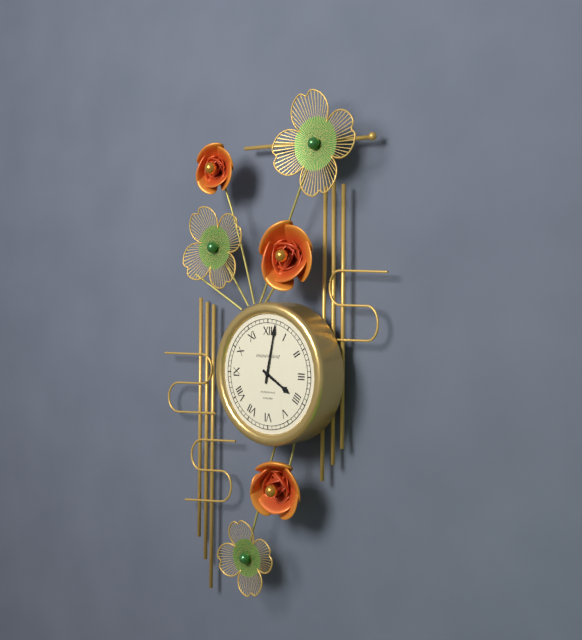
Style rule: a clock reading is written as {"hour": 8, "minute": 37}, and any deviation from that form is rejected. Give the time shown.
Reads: {"hour": 4, "minute": 2}
